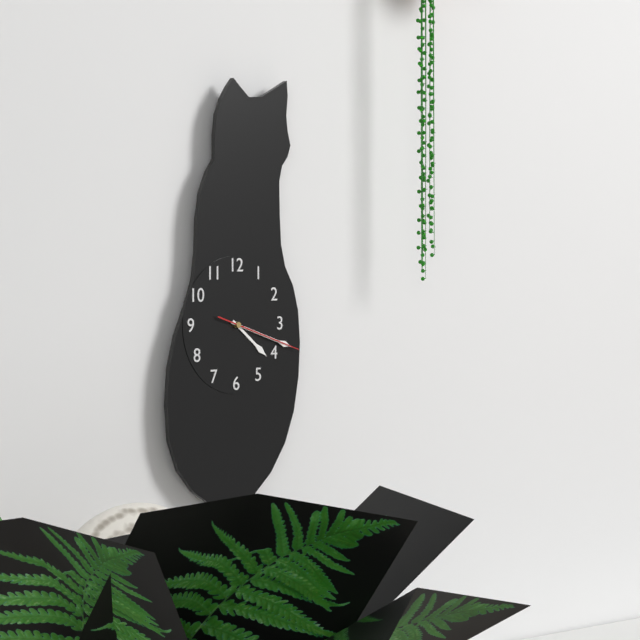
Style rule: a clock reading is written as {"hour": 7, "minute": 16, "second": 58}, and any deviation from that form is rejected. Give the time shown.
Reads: {"hour": 4, "minute": 18, "second": 18}
